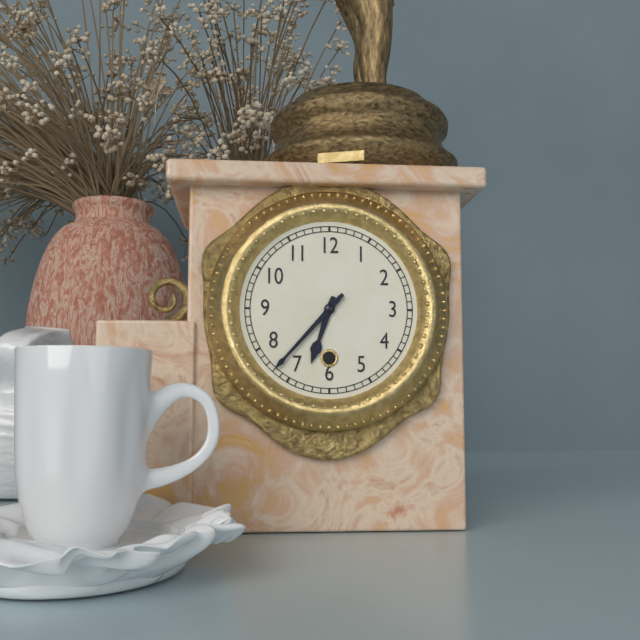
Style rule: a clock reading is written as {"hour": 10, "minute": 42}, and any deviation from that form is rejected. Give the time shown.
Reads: {"hour": 6, "minute": 37}
